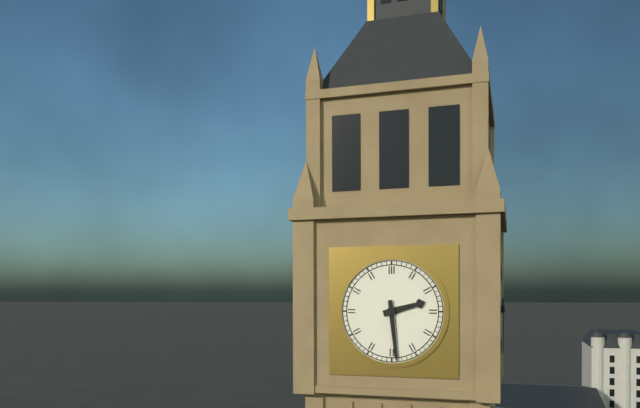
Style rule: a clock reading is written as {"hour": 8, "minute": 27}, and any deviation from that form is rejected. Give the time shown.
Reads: {"hour": 2, "minute": 29}
